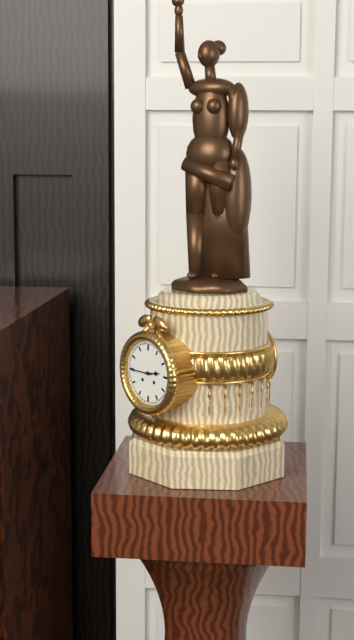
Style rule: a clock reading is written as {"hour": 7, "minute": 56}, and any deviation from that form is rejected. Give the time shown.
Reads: {"hour": 2, "minute": 45}
